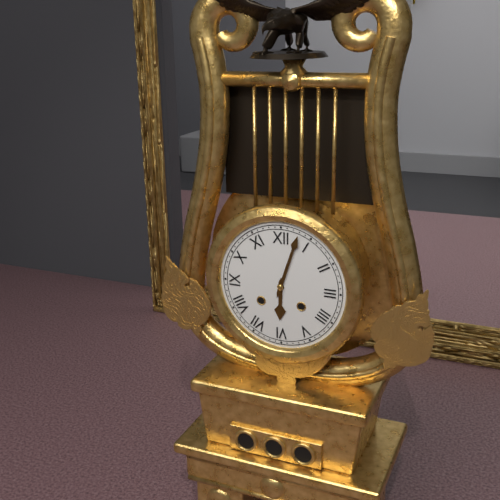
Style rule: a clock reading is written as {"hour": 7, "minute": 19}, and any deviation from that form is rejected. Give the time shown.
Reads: {"hour": 6, "minute": 3}
